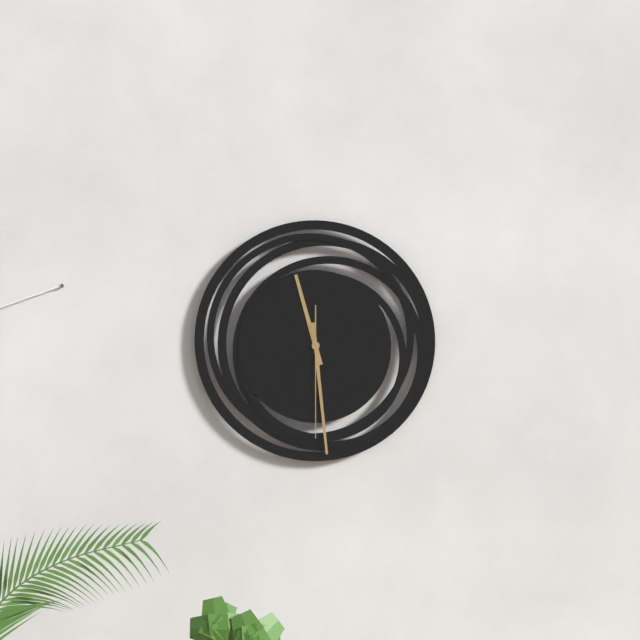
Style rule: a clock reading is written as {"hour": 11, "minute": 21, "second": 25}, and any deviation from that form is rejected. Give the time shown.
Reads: {"hour": 11, "minute": 29, "second": 30}
